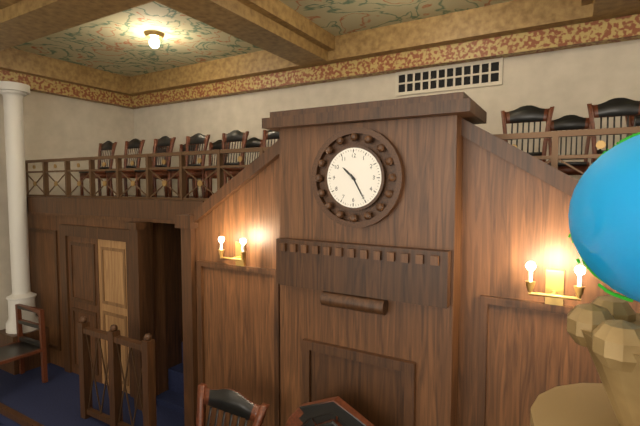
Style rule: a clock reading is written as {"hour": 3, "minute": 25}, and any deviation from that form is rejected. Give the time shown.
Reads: {"hour": 10, "minute": 25}
